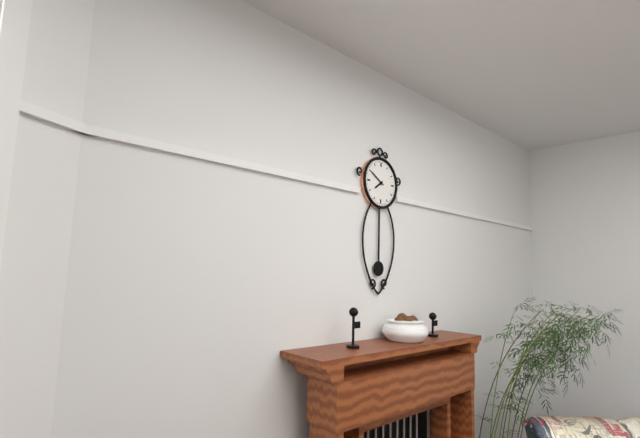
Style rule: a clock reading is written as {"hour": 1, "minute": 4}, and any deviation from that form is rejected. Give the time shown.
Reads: {"hour": 7, "minute": 50}
